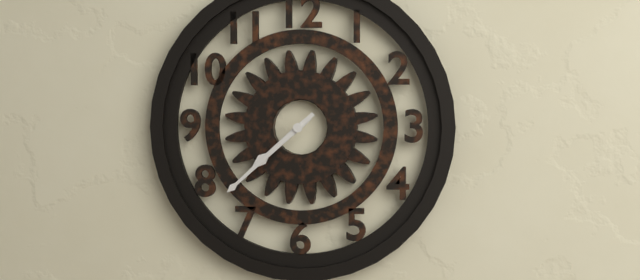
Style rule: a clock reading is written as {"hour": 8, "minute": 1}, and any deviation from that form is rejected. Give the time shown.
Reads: {"hour": 7, "minute": 38}
